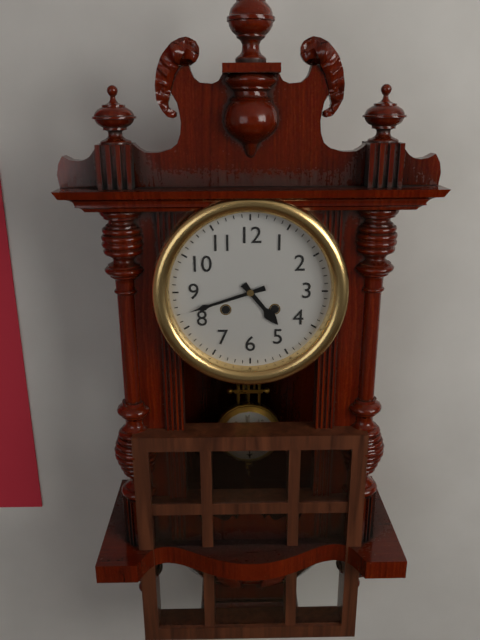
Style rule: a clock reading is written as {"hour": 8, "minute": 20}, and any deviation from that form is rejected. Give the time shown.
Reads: {"hour": 4, "minute": 42}
